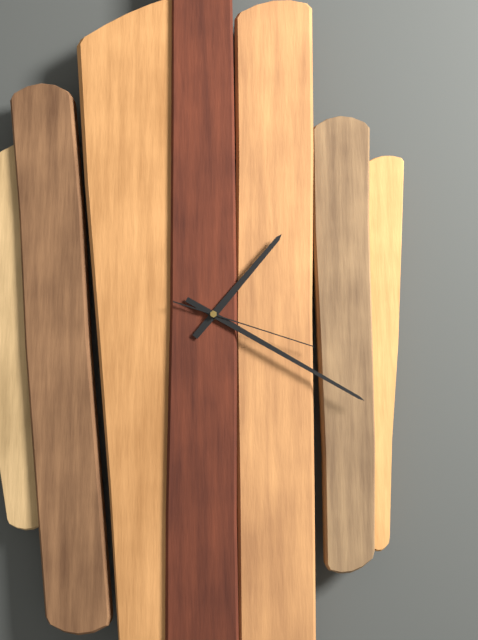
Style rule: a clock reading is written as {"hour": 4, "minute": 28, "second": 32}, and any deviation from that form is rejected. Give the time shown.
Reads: {"hour": 1, "minute": 20, "second": 18}
